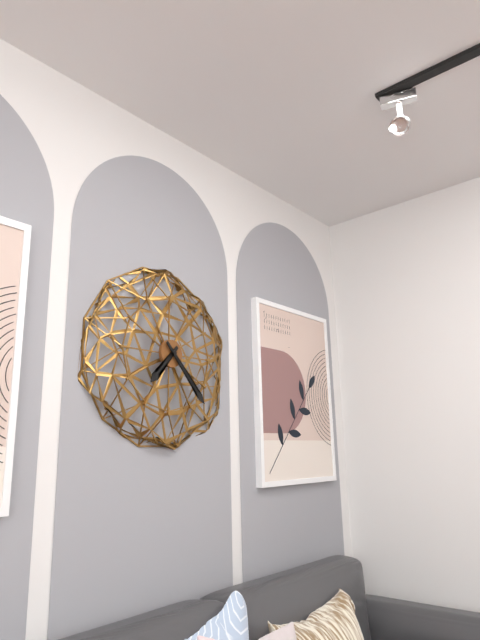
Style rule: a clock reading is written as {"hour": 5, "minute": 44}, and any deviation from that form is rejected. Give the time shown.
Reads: {"hour": 7, "minute": 23}
